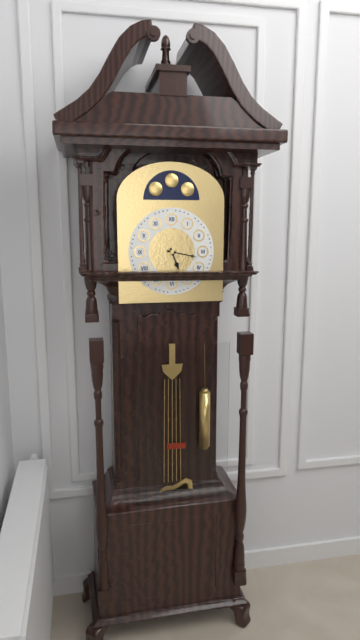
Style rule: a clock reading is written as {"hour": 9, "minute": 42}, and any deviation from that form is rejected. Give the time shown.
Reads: {"hour": 5, "minute": 17}
